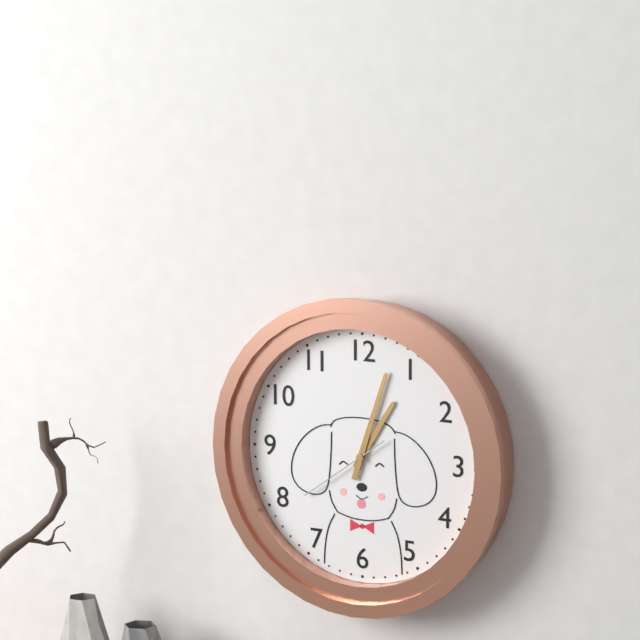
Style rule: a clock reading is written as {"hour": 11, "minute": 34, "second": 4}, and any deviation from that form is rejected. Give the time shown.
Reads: {"hour": 1, "minute": 3, "second": 39}
